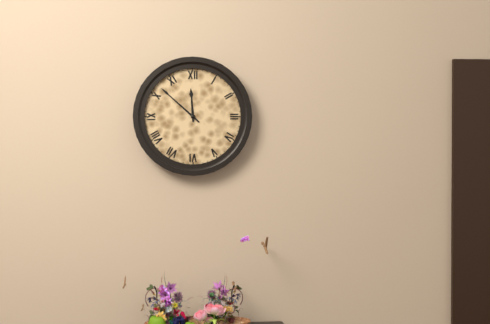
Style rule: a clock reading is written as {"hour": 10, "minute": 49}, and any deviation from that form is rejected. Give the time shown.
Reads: {"hour": 11, "minute": 52}
